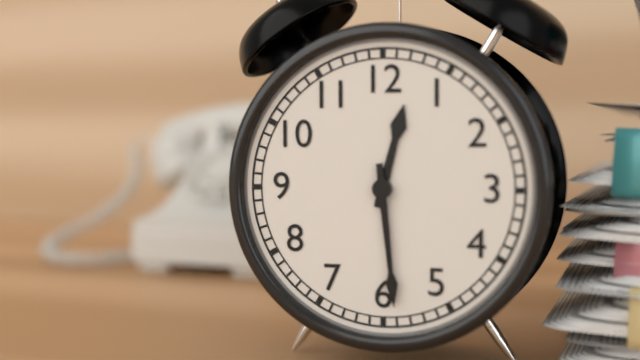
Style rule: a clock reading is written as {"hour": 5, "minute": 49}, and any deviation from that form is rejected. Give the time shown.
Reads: {"hour": 12, "minute": 29}
